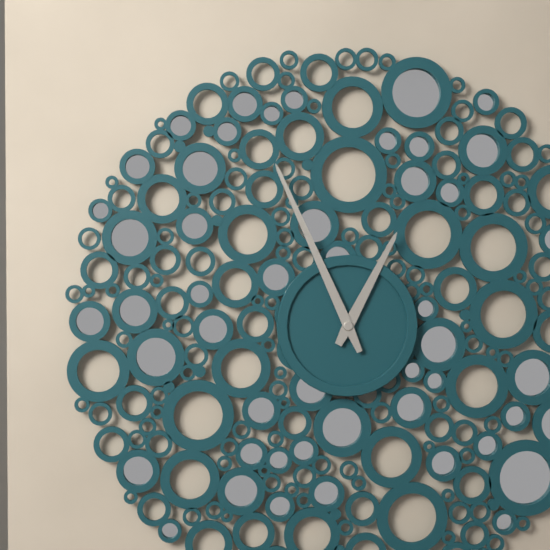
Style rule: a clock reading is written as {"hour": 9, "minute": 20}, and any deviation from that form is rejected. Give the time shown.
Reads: {"hour": 12, "minute": 56}
